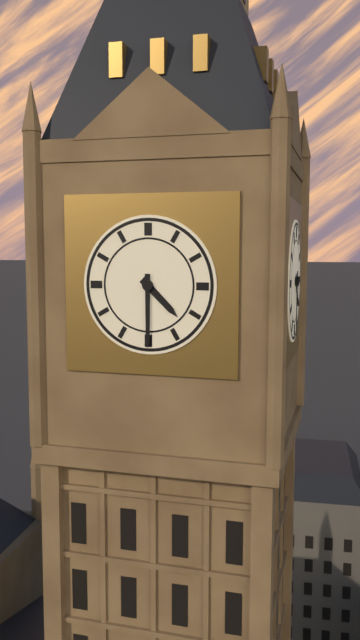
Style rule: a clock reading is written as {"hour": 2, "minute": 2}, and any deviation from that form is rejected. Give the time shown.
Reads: {"hour": 4, "minute": 30}
